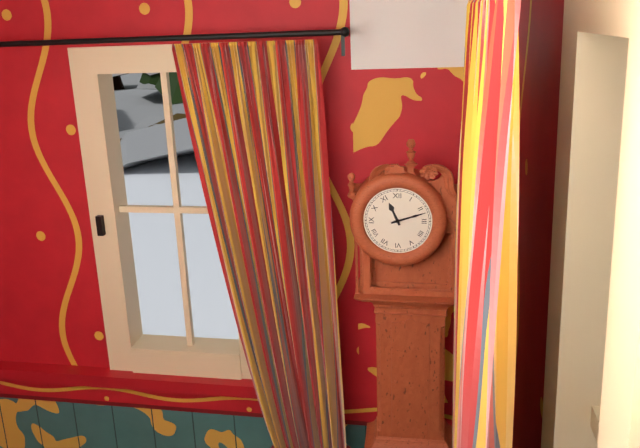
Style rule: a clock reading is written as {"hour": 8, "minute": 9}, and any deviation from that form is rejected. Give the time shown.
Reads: {"hour": 11, "minute": 12}
